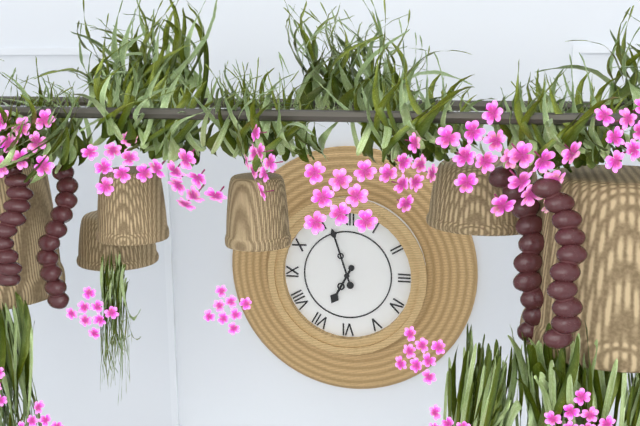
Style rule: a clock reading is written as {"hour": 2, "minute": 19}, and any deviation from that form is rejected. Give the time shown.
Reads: {"hour": 6, "minute": 57}
